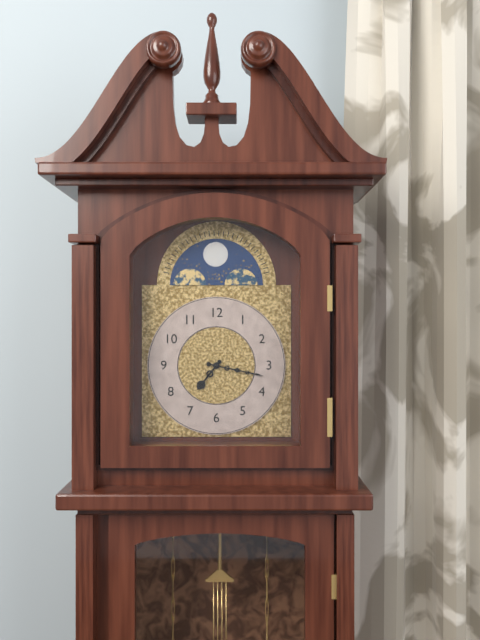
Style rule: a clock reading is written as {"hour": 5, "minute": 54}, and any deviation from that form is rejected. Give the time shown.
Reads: {"hour": 7, "minute": 17}
